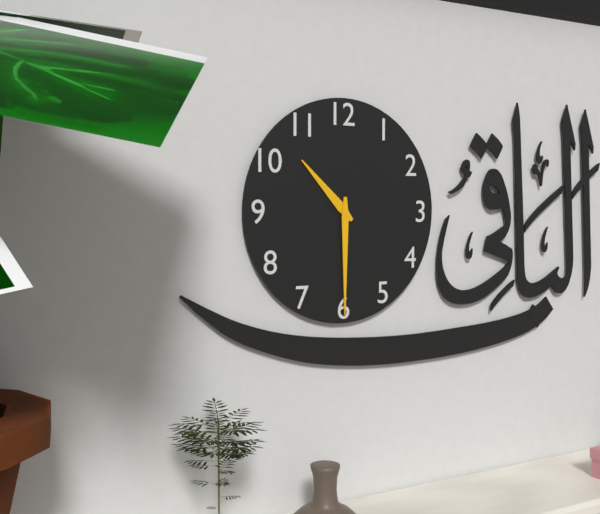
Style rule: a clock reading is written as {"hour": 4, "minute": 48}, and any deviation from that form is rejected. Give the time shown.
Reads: {"hour": 10, "minute": 30}
